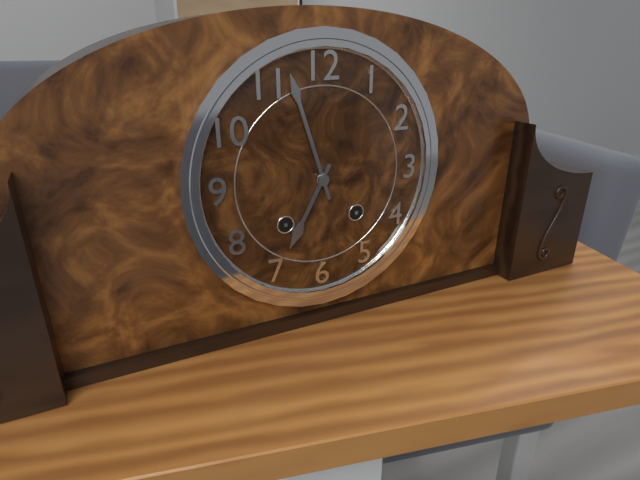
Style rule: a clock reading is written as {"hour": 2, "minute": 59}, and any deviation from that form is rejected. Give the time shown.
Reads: {"hour": 6, "minute": 57}
